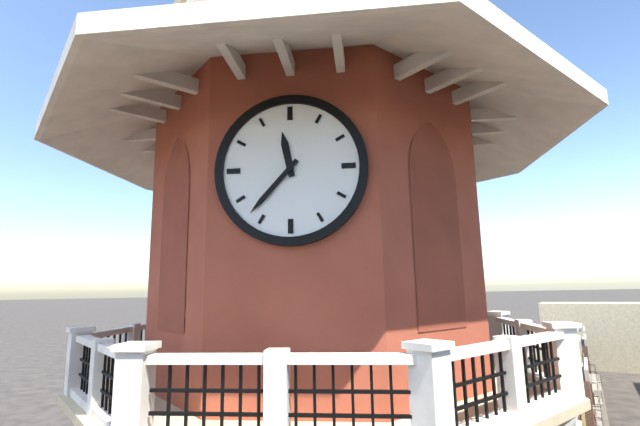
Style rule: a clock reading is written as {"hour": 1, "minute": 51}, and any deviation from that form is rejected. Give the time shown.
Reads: {"hour": 11, "minute": 37}
